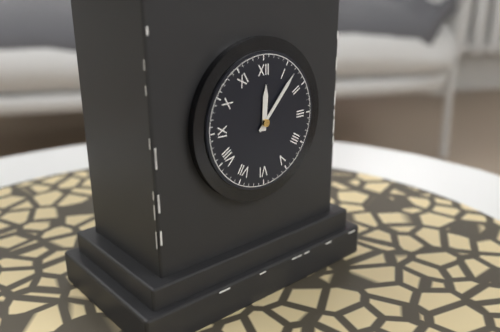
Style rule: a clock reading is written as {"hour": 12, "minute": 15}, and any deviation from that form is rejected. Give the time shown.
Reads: {"hour": 12, "minute": 7}
